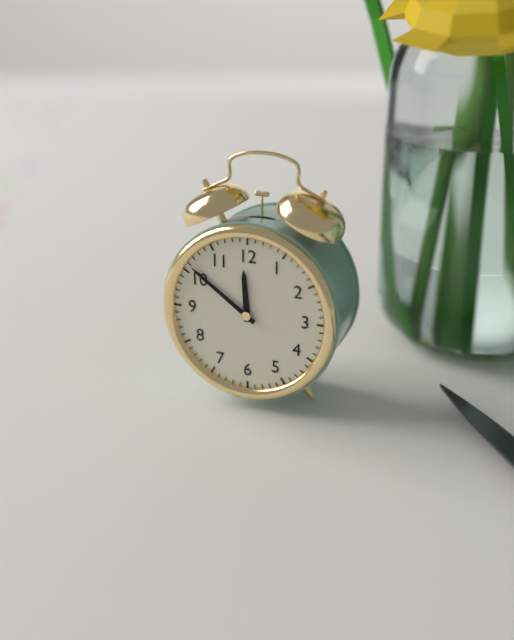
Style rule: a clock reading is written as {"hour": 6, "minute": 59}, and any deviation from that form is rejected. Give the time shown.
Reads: {"hour": 11, "minute": 51}
